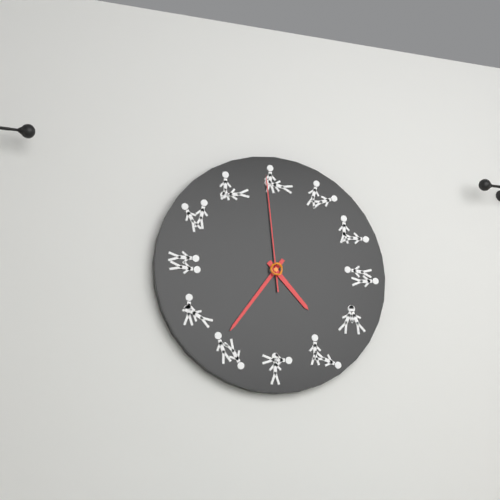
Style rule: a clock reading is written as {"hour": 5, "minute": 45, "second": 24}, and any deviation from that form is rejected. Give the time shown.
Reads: {"hour": 4, "minute": 36, "second": 59}
